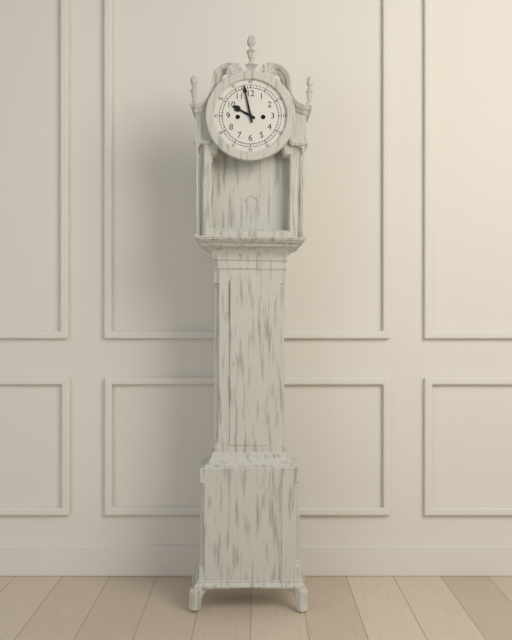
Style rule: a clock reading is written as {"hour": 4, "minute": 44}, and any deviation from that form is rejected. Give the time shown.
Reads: {"hour": 9, "minute": 58}
